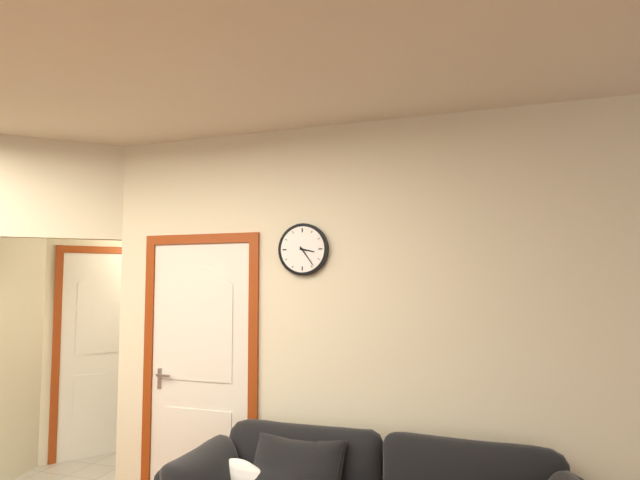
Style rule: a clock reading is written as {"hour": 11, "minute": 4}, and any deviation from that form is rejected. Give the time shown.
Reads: {"hour": 3, "minute": 24}
